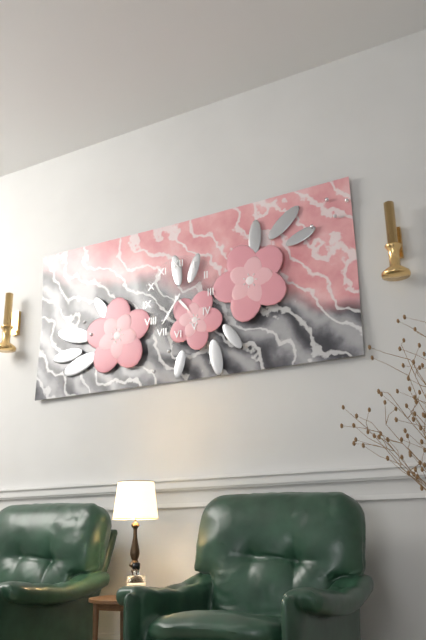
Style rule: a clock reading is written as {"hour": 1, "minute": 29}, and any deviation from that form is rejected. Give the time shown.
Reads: {"hour": 4, "minute": 36}
